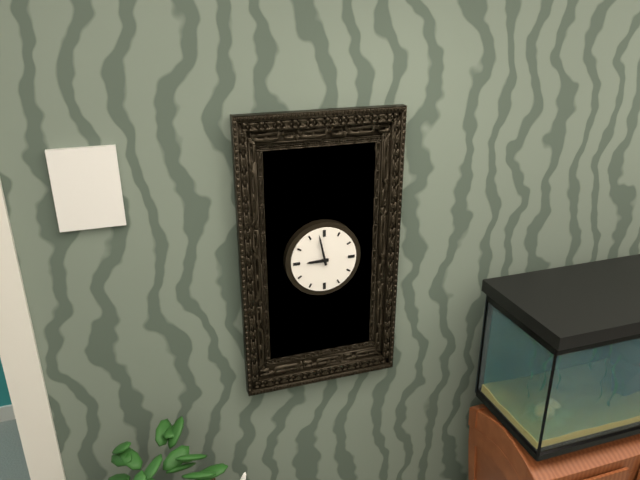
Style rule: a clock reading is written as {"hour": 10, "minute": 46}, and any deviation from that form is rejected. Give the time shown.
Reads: {"hour": 8, "minute": 58}
